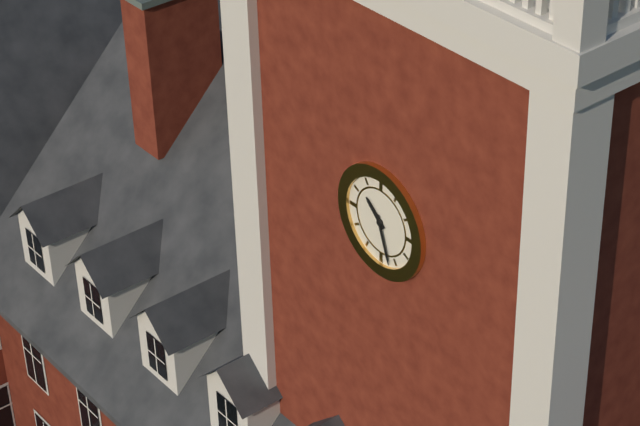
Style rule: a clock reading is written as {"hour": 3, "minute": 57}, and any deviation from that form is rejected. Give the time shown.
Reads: {"hour": 10, "minute": 27}
